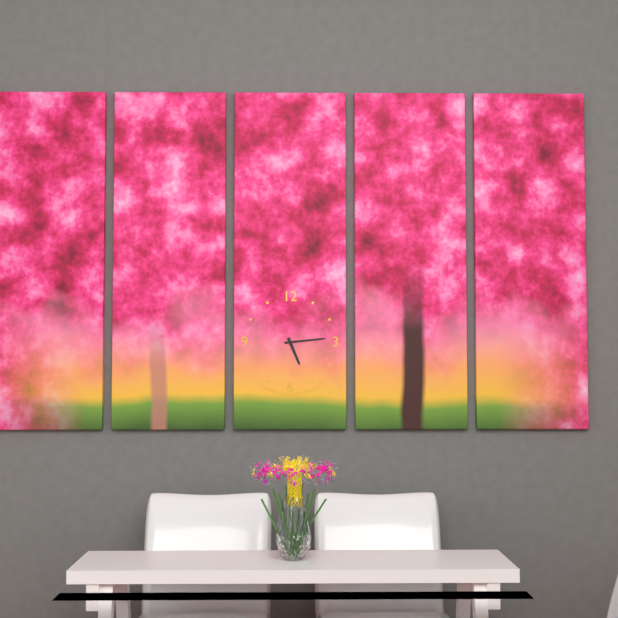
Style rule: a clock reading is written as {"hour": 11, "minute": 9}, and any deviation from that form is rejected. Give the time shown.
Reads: {"hour": 5, "minute": 14}
